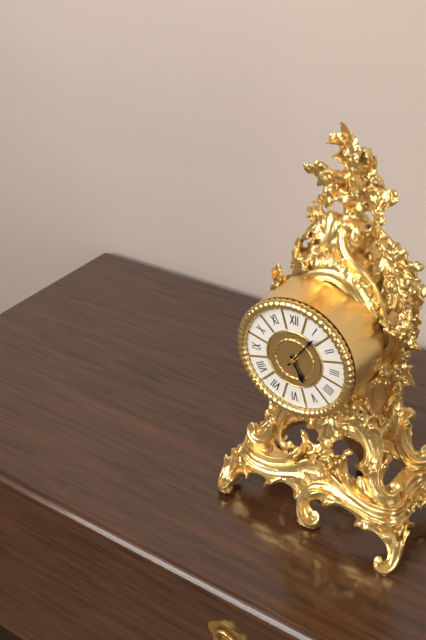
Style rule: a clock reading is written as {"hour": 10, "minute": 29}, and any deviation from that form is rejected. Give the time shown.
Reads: {"hour": 5, "minute": 6}
